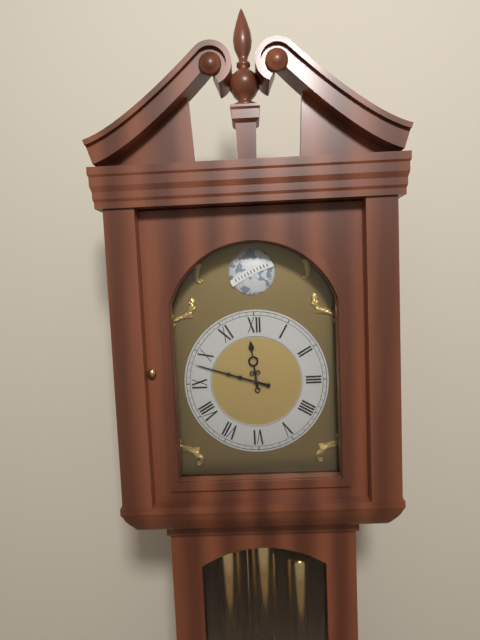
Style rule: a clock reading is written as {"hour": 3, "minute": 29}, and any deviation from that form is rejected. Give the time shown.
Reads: {"hour": 11, "minute": 48}
